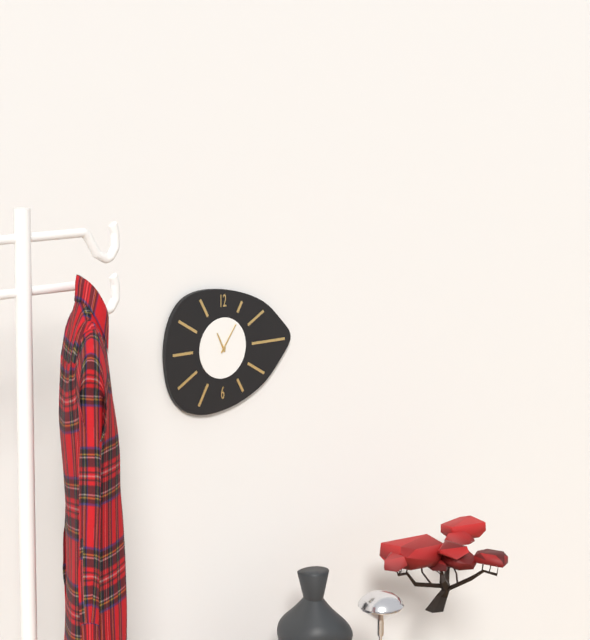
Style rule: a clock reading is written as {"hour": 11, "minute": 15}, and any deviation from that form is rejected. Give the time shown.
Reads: {"hour": 11, "minute": 6}
